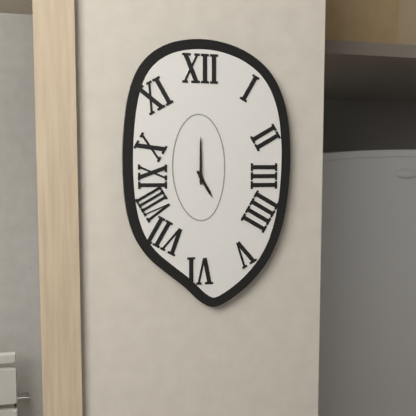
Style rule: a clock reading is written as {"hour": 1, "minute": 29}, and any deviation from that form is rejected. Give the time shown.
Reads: {"hour": 5, "minute": 0}
